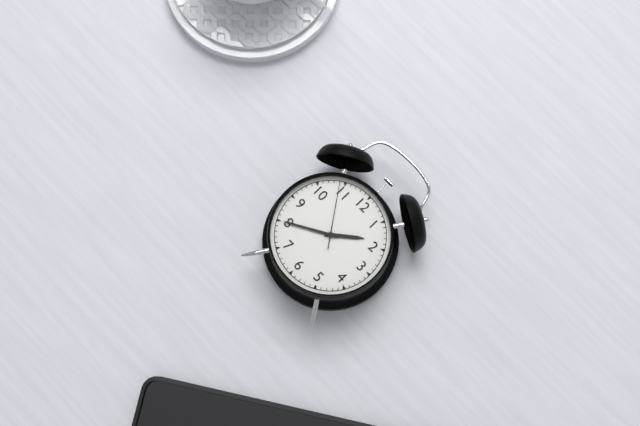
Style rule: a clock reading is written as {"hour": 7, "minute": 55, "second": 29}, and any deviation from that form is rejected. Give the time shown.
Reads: {"hour": 1, "minute": 40, "second": 54}
